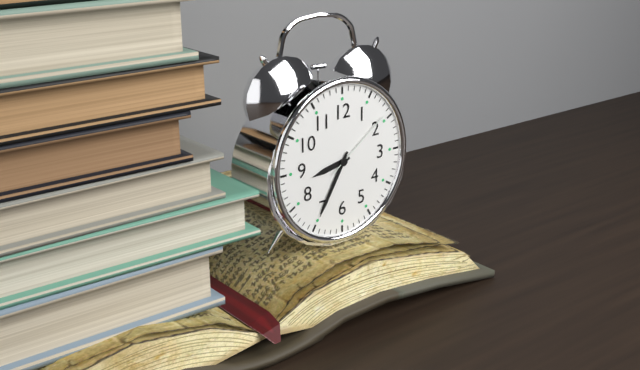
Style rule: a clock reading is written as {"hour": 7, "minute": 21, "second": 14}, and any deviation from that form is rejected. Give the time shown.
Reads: {"hour": 8, "minute": 35, "second": 9}
